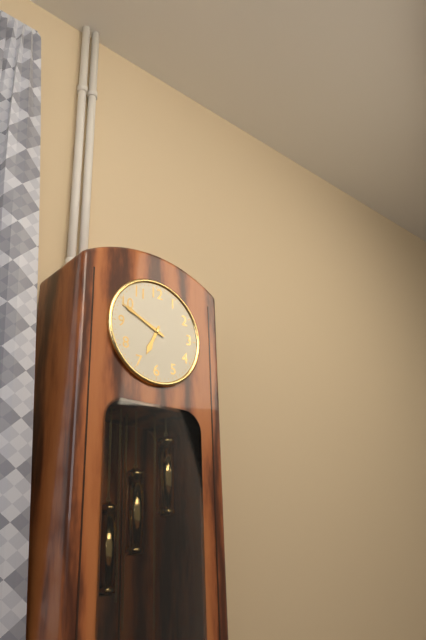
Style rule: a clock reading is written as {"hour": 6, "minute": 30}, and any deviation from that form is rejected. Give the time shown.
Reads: {"hour": 6, "minute": 49}
